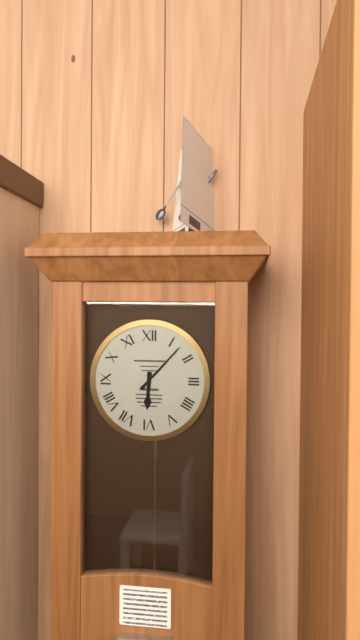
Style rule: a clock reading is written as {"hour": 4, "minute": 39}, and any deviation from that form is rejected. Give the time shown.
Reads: {"hour": 6, "minute": 7}
